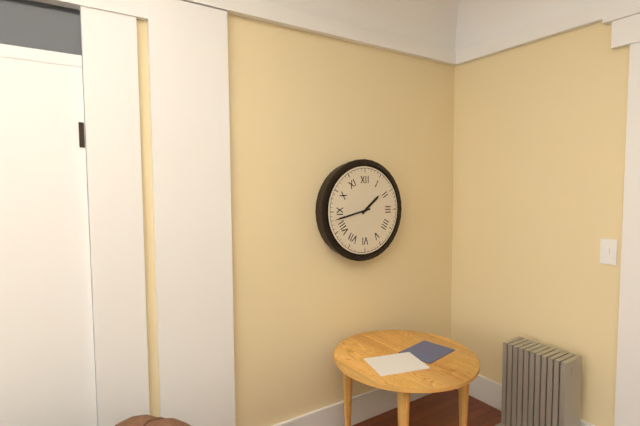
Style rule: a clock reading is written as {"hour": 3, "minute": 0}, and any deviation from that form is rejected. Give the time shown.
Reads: {"hour": 1, "minute": 43}
